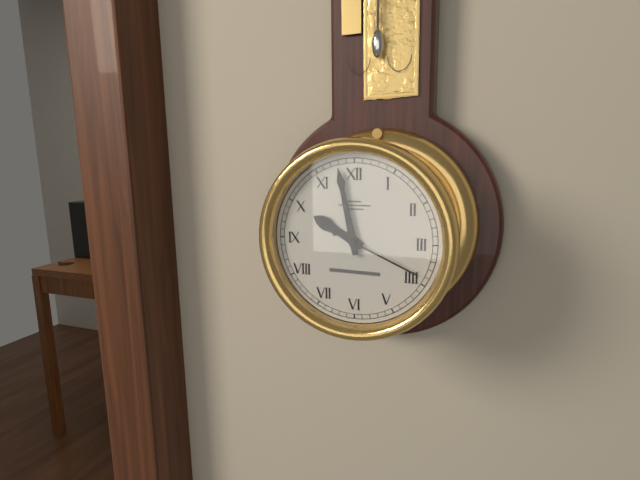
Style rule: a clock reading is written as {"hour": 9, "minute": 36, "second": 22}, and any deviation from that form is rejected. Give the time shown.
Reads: {"hour": 9, "minute": 58, "second": 19}
